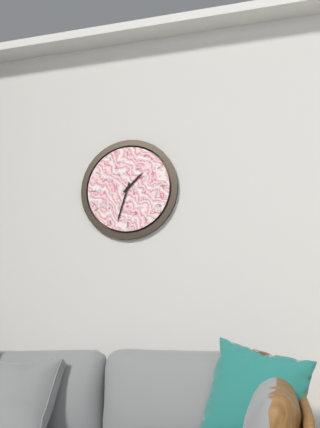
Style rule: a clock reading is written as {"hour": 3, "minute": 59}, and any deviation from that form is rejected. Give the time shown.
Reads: {"hour": 1, "minute": 33}
